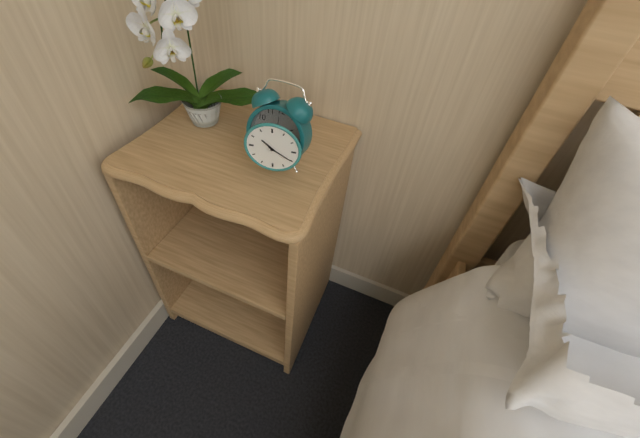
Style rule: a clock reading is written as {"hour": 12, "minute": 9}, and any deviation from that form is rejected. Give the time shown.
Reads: {"hour": 10, "minute": 20}
